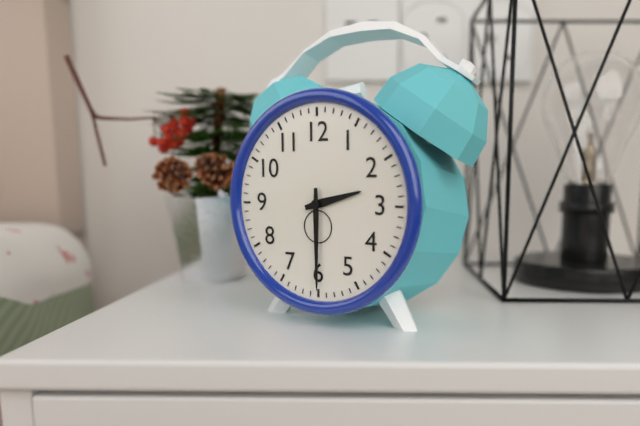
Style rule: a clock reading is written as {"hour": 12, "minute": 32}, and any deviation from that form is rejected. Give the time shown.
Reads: {"hour": 2, "minute": 30}
